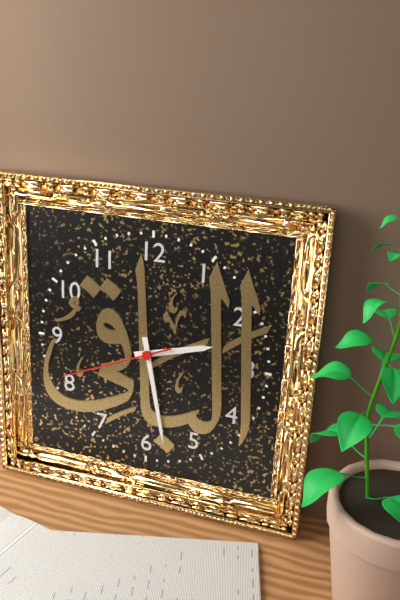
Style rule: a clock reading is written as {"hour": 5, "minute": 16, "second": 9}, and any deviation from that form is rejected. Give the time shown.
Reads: {"hour": 2, "minute": 28, "second": 41}
